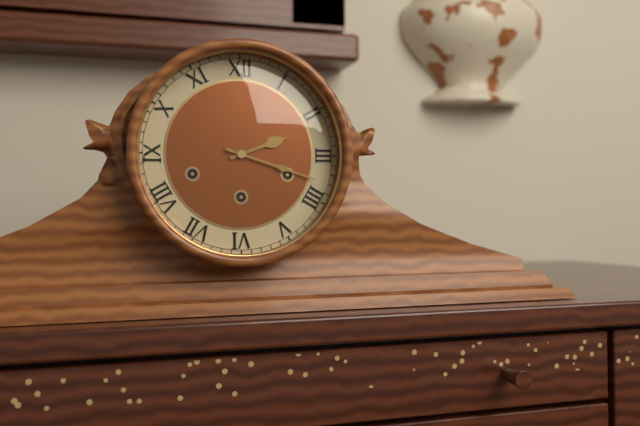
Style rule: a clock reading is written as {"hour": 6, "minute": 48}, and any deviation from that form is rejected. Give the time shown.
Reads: {"hour": 2, "minute": 18}
